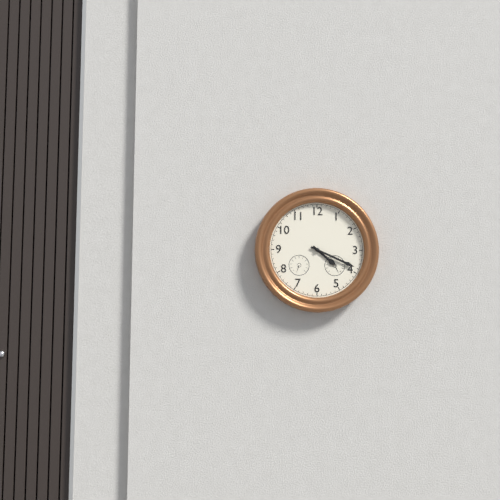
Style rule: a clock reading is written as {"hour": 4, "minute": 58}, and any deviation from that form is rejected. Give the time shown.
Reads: {"hour": 4, "minute": 19}
